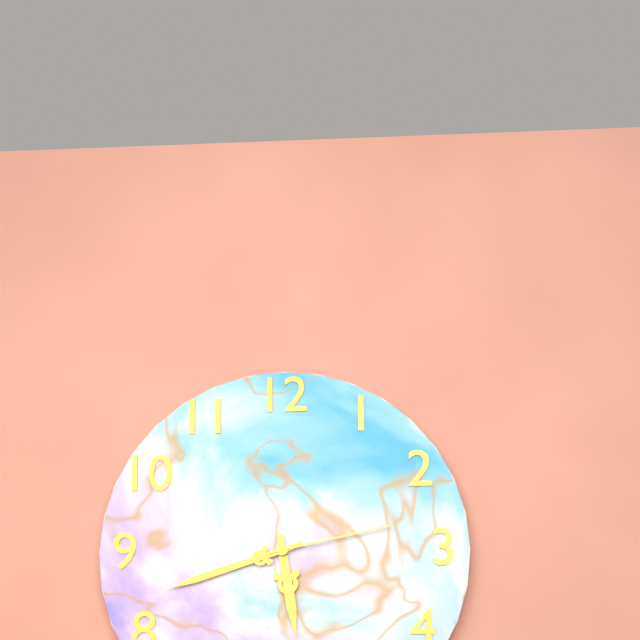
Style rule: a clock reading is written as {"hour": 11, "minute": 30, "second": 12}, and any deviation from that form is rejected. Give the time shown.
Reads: {"hour": 5, "minute": 42, "second": 13}
